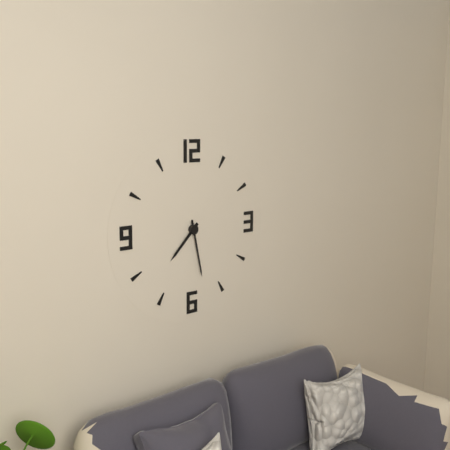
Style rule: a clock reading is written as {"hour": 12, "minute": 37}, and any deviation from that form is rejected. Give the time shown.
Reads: {"hour": 7, "minute": 28}
